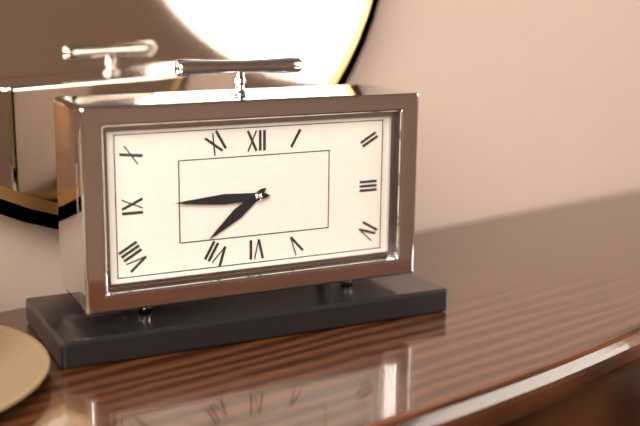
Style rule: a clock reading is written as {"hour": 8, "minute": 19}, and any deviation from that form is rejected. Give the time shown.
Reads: {"hour": 7, "minute": 45}
